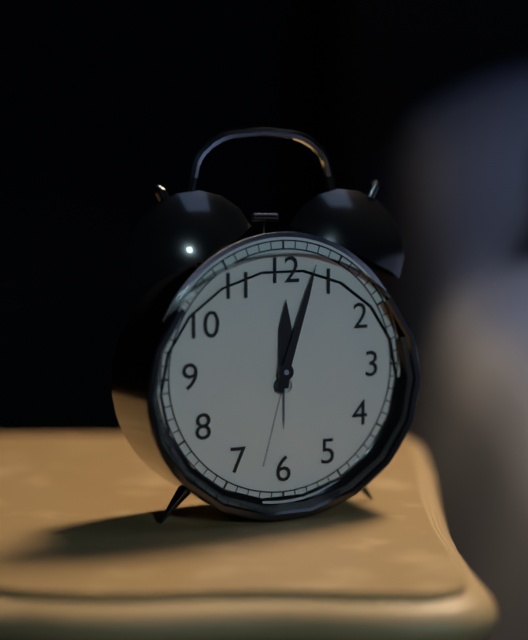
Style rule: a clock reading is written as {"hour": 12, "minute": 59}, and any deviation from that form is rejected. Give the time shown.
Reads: {"hour": 12, "minute": 3}
